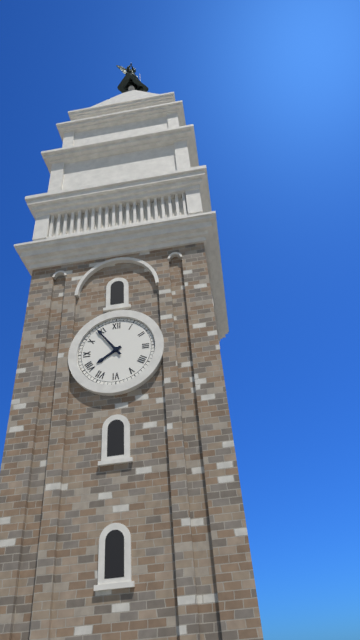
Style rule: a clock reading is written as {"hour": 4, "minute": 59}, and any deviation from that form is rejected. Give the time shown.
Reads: {"hour": 7, "minute": 54}
